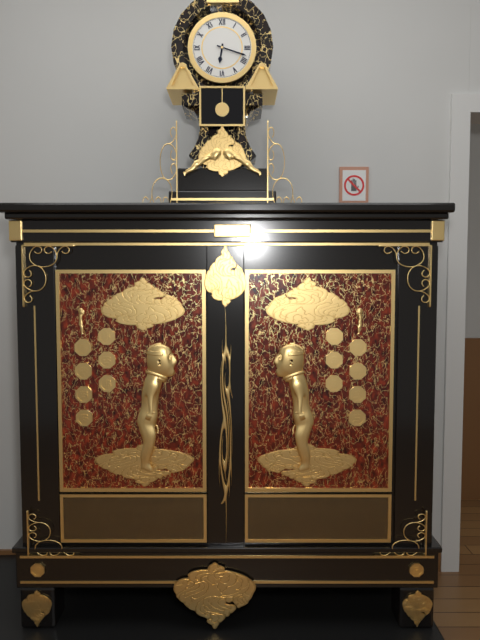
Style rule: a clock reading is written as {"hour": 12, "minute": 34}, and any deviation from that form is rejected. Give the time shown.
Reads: {"hour": 6, "minute": 18}
